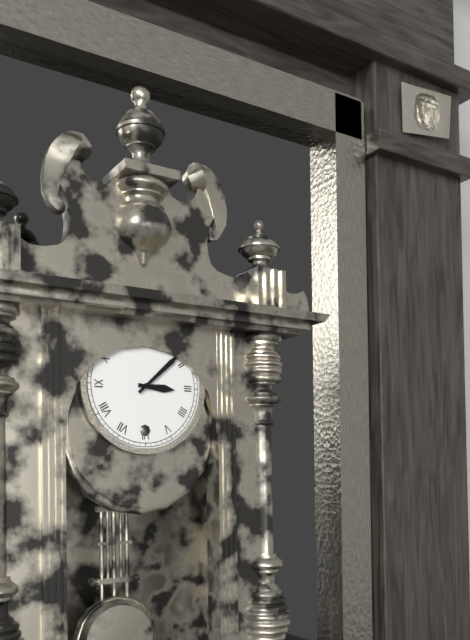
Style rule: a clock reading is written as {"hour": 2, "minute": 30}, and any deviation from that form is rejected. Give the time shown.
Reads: {"hour": 3, "minute": 8}
